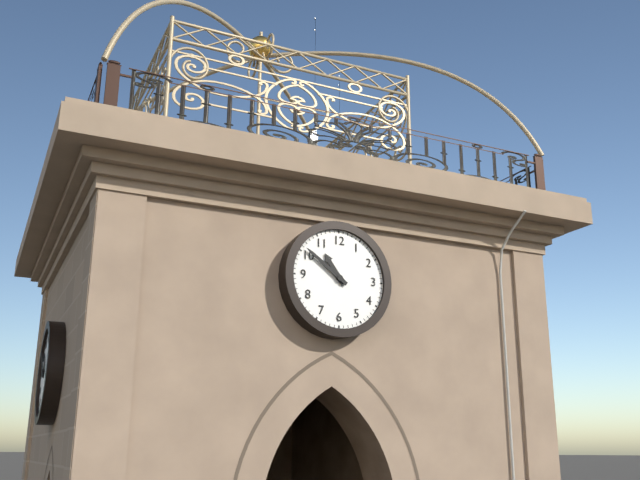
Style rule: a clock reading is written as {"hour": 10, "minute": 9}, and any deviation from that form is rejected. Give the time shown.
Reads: {"hour": 10, "minute": 51}
